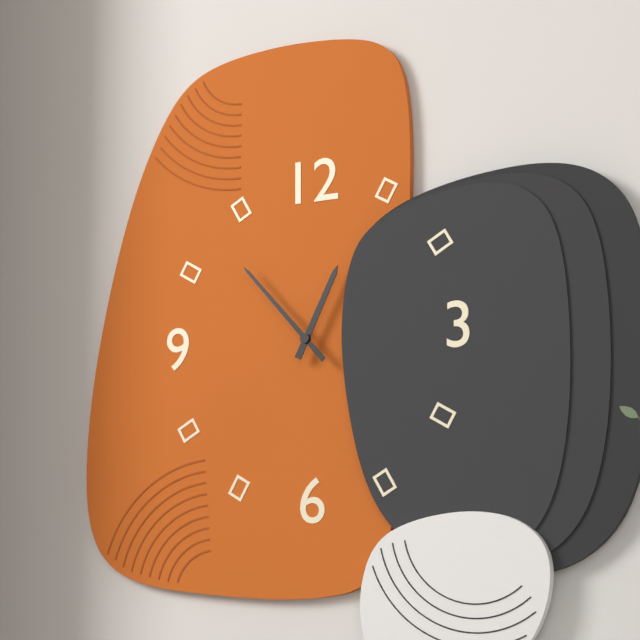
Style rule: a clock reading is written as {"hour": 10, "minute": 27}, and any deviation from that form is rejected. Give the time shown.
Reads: {"hour": 12, "minute": 53}
